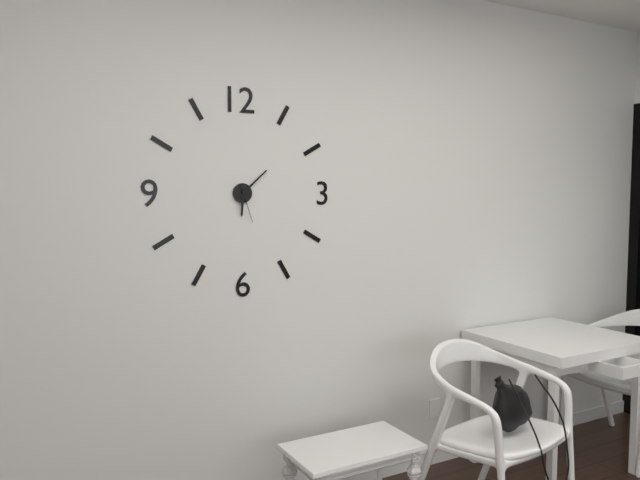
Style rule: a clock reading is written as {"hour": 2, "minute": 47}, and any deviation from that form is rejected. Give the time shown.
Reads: {"hour": 6, "minute": 8}
